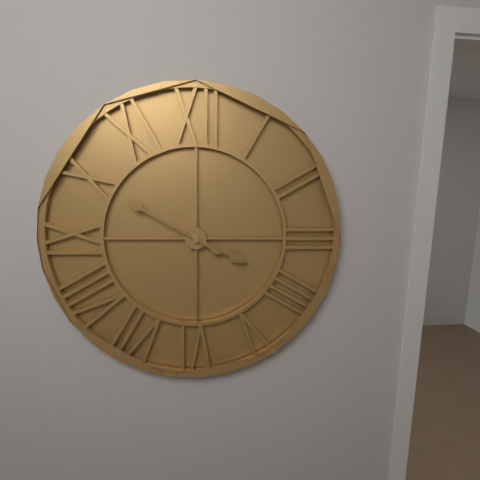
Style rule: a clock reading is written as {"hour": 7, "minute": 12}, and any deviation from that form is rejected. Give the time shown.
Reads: {"hour": 3, "minute": 50}
